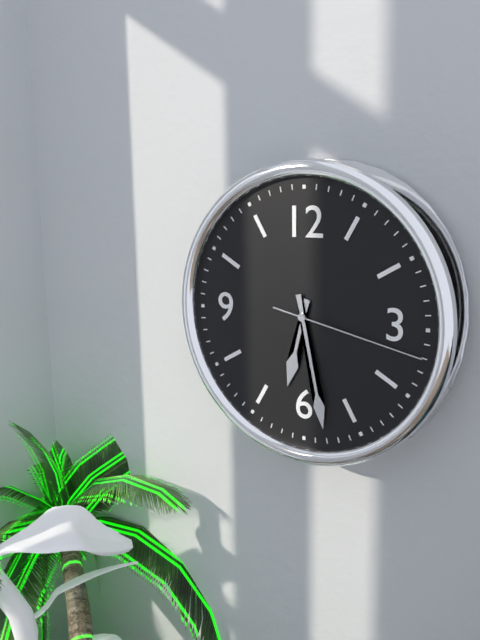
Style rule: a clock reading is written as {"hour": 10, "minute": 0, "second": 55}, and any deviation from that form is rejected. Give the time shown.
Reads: {"hour": 6, "minute": 28, "second": 17}
